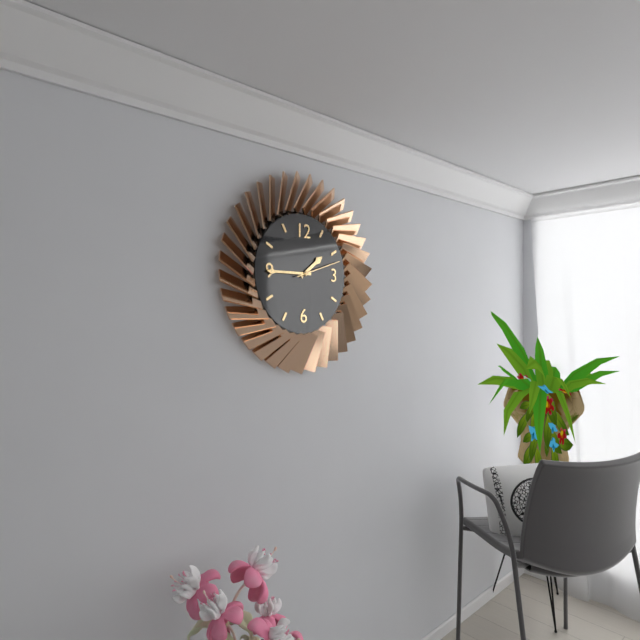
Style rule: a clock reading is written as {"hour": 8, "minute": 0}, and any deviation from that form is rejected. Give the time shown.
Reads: {"hour": 1, "minute": 45}
